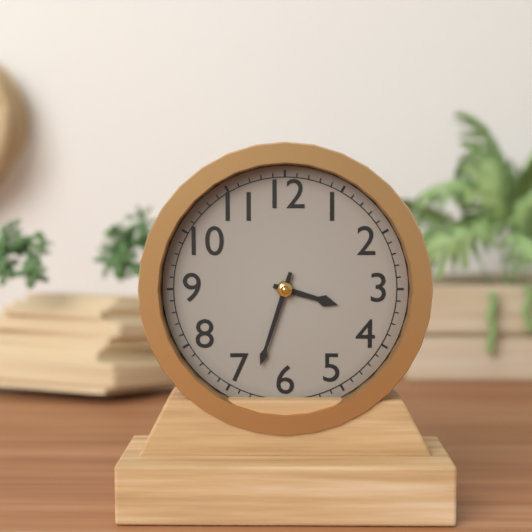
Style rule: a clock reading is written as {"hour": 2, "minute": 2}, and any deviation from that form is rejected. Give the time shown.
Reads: {"hour": 3, "minute": 33}
